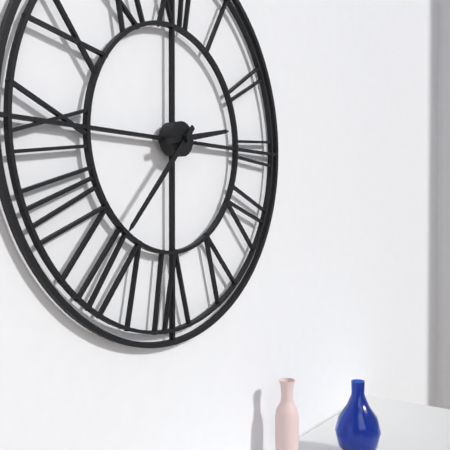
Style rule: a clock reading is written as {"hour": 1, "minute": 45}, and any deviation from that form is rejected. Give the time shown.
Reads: {"hour": 2, "minute": 37}
